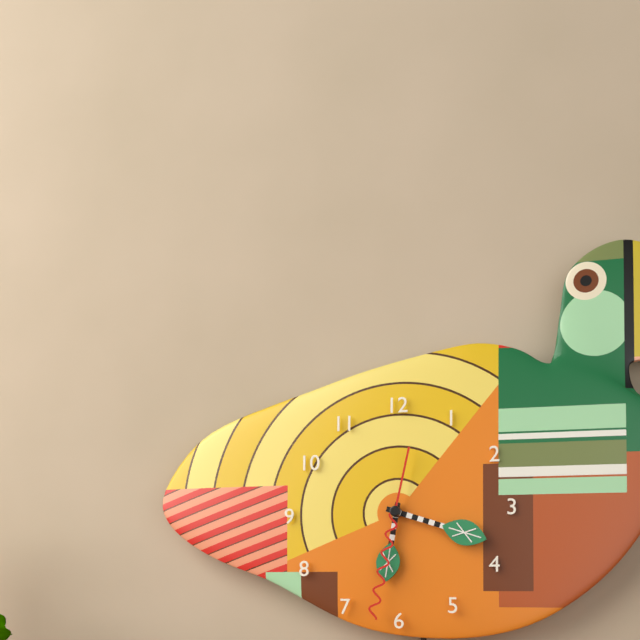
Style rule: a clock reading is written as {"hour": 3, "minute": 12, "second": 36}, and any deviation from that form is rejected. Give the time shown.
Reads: {"hour": 6, "minute": 18, "second": 32}
